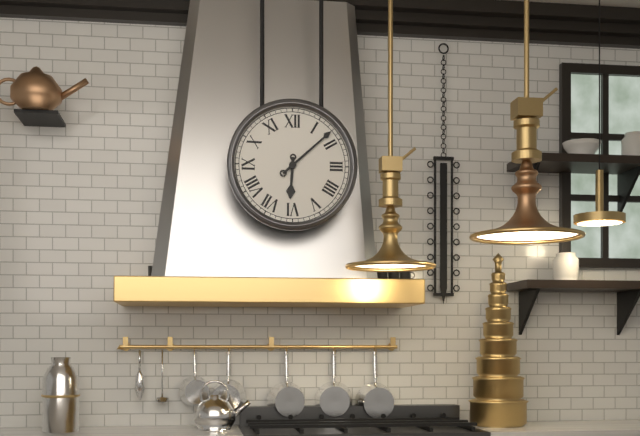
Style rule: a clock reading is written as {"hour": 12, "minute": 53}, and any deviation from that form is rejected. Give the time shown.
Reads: {"hour": 6, "minute": 8}
